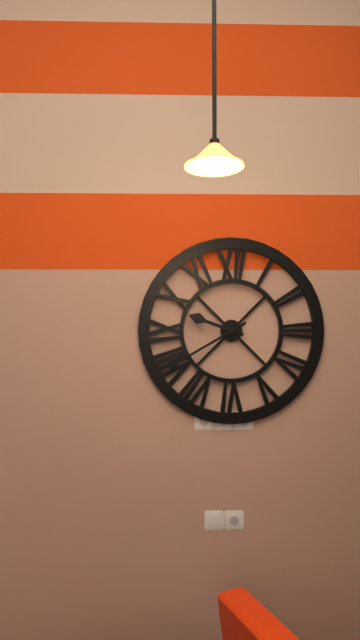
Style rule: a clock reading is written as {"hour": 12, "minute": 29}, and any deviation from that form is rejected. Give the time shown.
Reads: {"hour": 9, "minute": 40}
